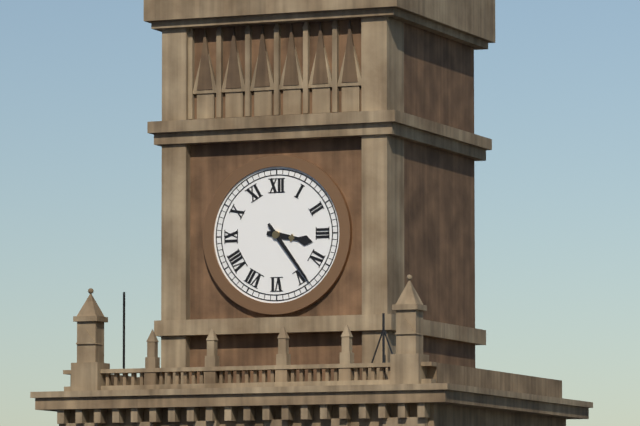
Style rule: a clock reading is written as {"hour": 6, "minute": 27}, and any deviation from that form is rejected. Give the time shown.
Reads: {"hour": 3, "minute": 24}
